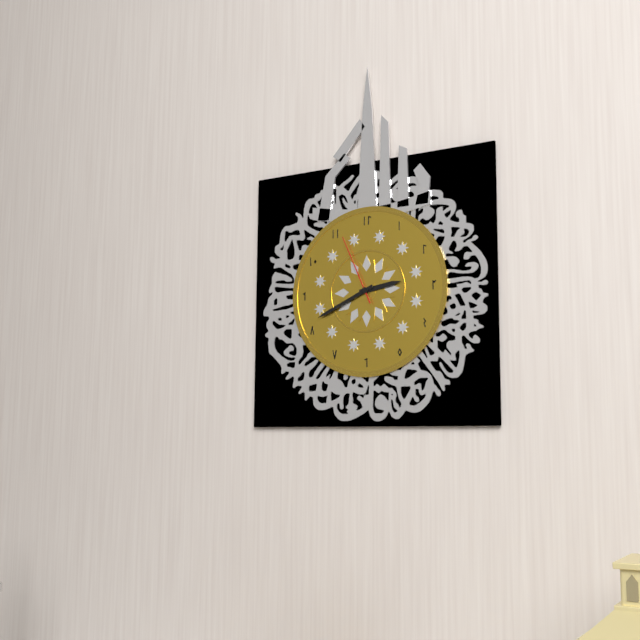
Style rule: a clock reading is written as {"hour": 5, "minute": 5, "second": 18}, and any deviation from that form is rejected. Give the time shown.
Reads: {"hour": 2, "minute": 41, "second": 56}
